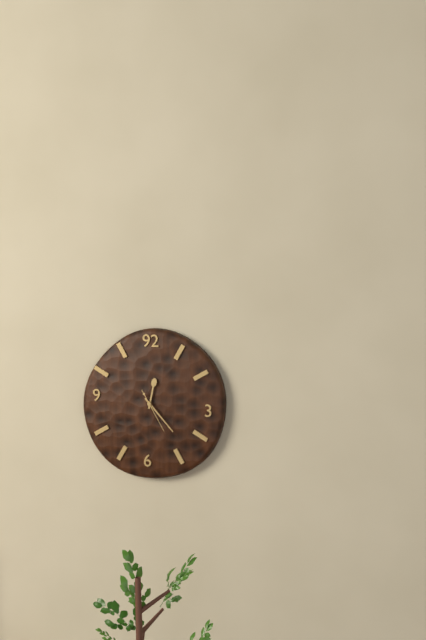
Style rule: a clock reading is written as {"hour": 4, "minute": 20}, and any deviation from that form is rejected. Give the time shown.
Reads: {"hour": 12, "minute": 23}
